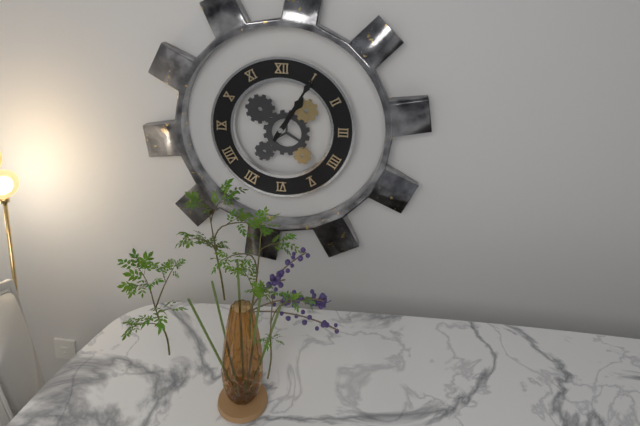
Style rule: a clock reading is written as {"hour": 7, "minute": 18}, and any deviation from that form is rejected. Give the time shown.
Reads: {"hour": 1, "minute": 5}
